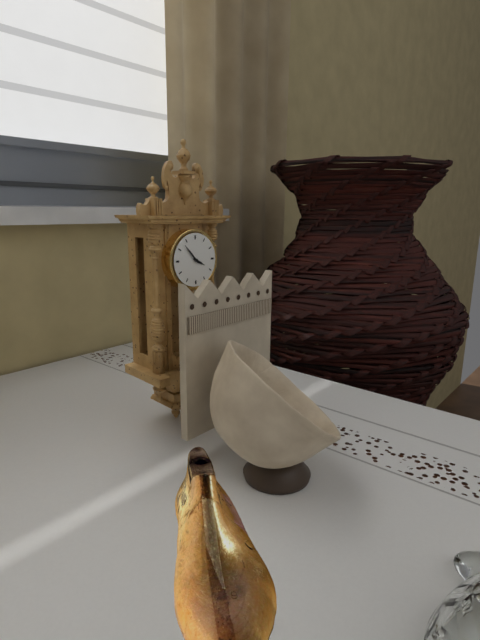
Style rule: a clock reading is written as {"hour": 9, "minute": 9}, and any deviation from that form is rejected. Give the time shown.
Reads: {"hour": 3, "minute": 53}
